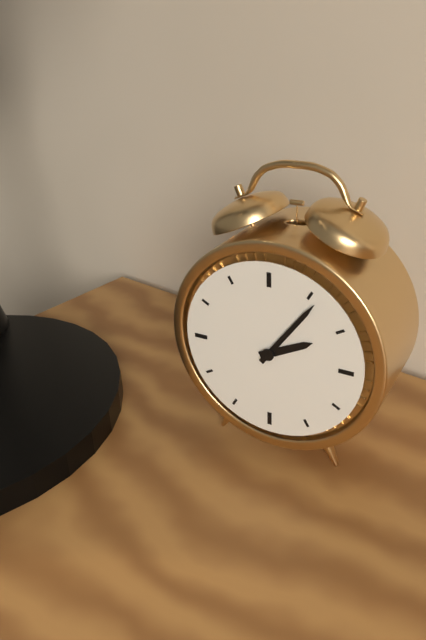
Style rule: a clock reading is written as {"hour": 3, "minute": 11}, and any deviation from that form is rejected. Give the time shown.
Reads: {"hour": 2, "minute": 6}
